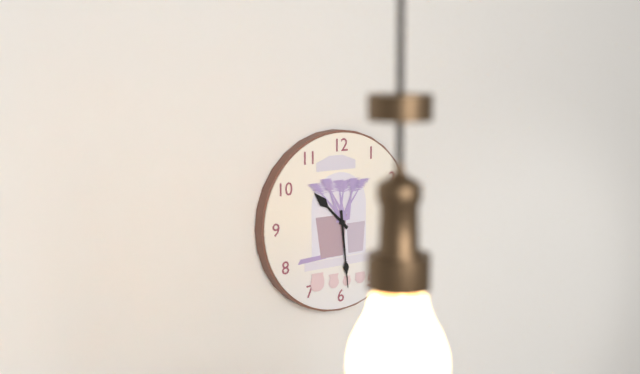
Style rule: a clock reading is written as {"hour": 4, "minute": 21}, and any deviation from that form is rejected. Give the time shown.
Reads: {"hour": 10, "minute": 29}
